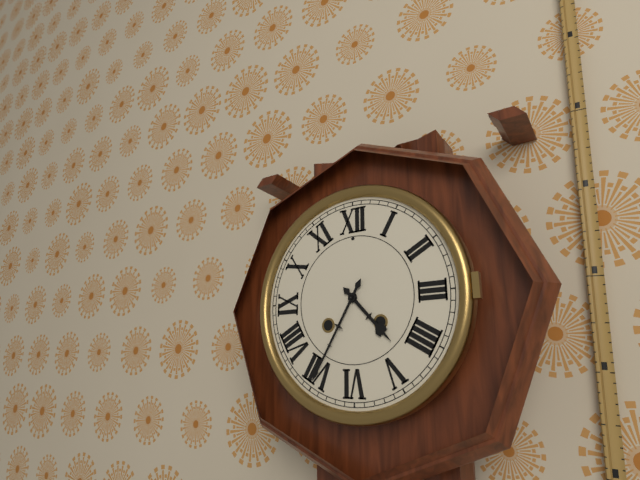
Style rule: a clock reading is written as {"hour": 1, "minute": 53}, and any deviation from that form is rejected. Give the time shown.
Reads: {"hour": 4, "minute": 35}
